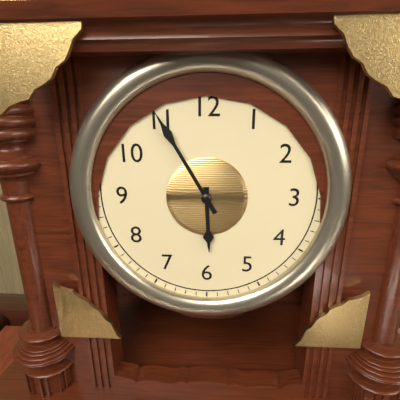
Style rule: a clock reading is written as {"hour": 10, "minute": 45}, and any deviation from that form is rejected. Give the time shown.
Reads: {"hour": 5, "minute": 55}
